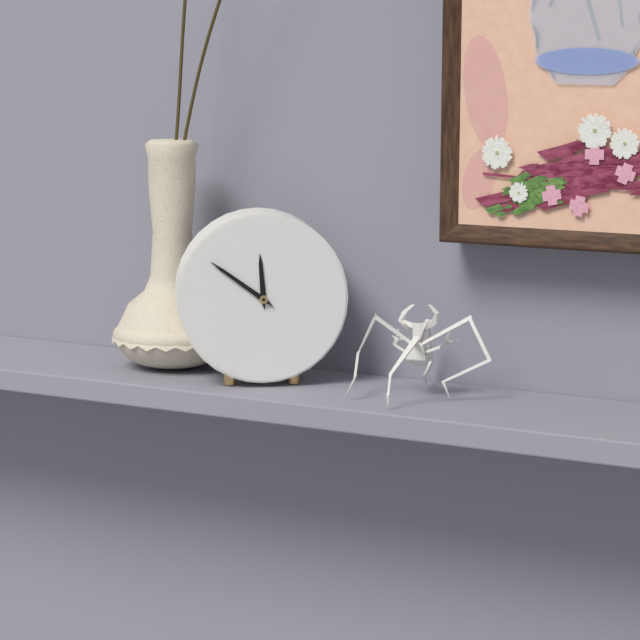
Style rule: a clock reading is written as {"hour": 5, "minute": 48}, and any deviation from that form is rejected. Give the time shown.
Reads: {"hour": 11, "minute": 51}
